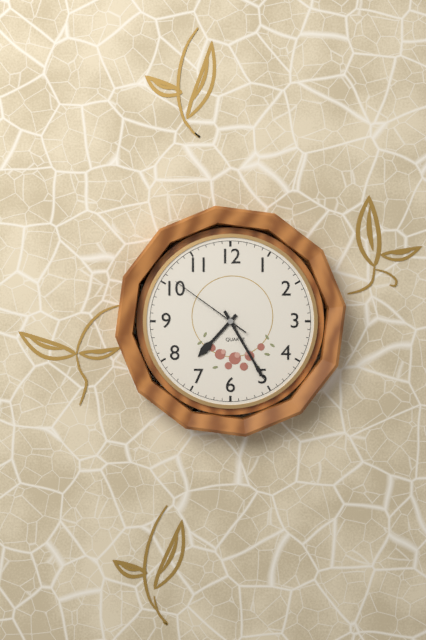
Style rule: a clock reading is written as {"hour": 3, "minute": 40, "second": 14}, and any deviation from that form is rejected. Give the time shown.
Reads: {"hour": 7, "minute": 25, "second": 51}
